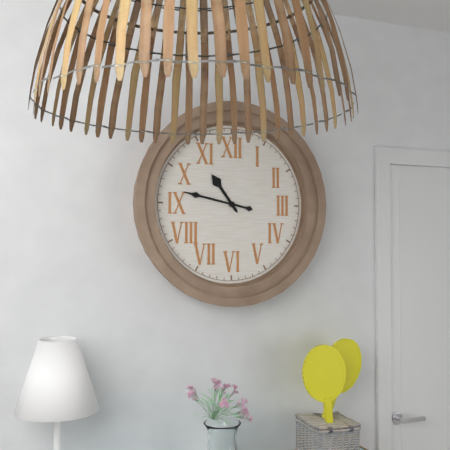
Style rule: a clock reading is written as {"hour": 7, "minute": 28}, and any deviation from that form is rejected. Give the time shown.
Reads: {"hour": 10, "minute": 47}
